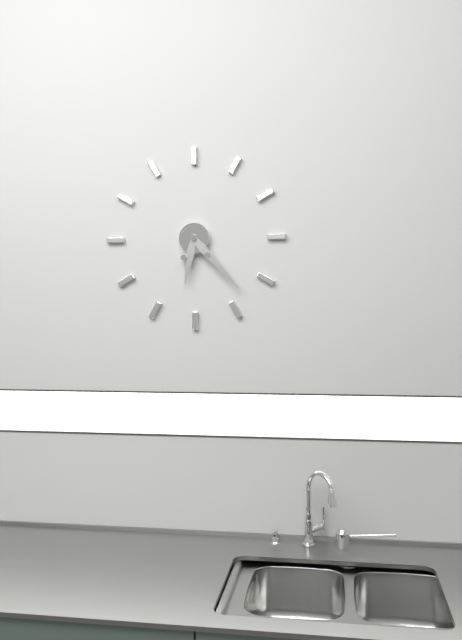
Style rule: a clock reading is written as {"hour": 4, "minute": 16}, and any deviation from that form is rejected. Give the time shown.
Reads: {"hour": 6, "minute": 23}
